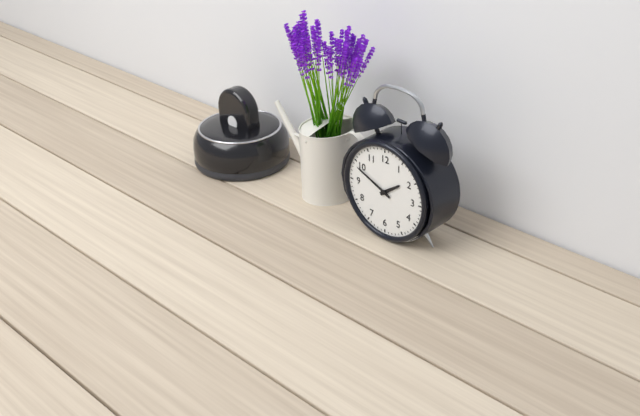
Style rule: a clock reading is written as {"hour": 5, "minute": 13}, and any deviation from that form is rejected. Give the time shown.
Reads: {"hour": 1, "minute": 49}
